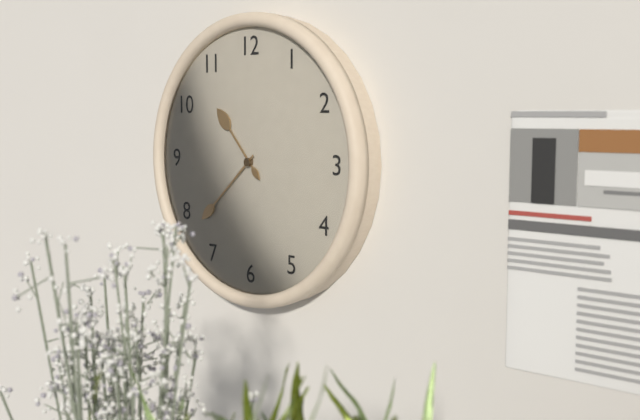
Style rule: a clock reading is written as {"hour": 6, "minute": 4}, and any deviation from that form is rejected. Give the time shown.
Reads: {"hour": 10, "minute": 38}
